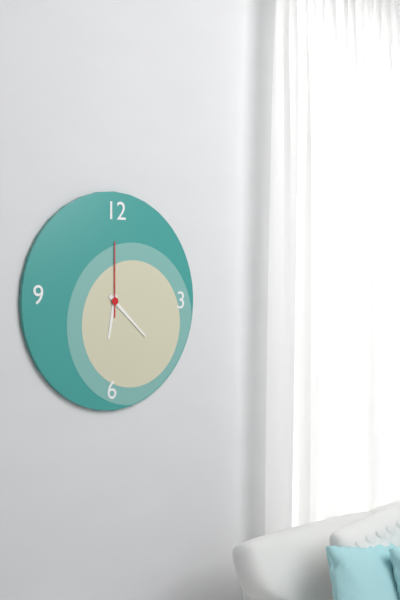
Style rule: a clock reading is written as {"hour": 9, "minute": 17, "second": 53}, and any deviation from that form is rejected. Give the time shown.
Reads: {"hour": 6, "minute": 22, "second": 0}
